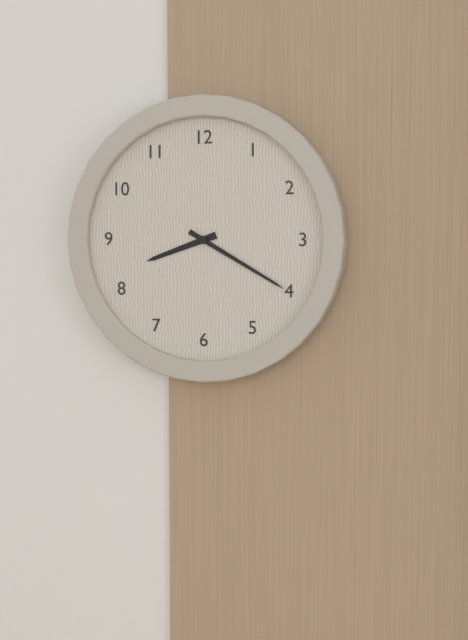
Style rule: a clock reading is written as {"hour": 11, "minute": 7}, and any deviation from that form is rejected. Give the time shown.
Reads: {"hour": 8, "minute": 20}
